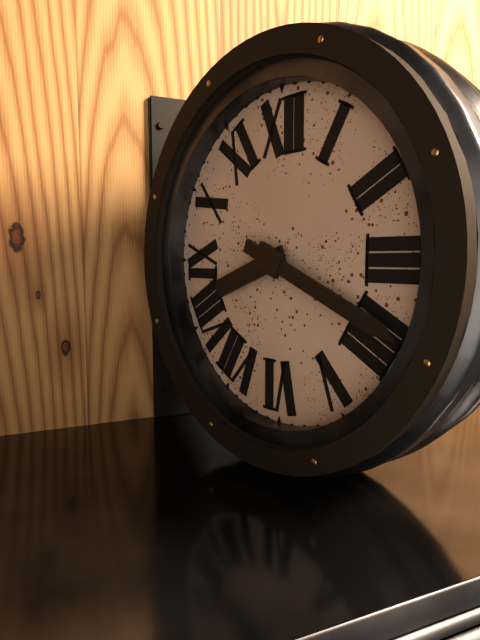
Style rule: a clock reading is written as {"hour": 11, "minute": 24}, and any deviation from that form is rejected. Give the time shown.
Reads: {"hour": 8, "minute": 19}
